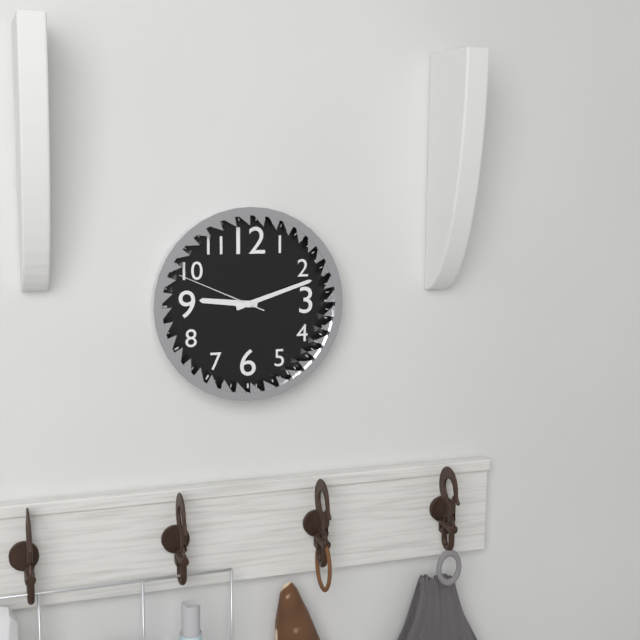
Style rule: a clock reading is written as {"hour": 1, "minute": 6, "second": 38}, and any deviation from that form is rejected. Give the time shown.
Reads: {"hour": 9, "minute": 12, "second": 49}
